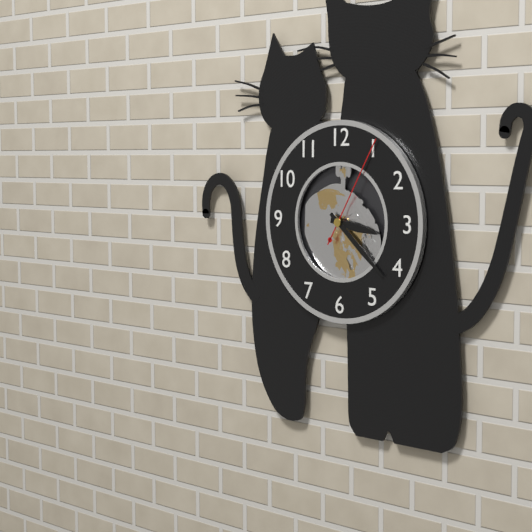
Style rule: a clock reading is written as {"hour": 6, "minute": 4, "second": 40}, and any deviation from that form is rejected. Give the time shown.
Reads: {"hour": 3, "minute": 22, "second": 5}
